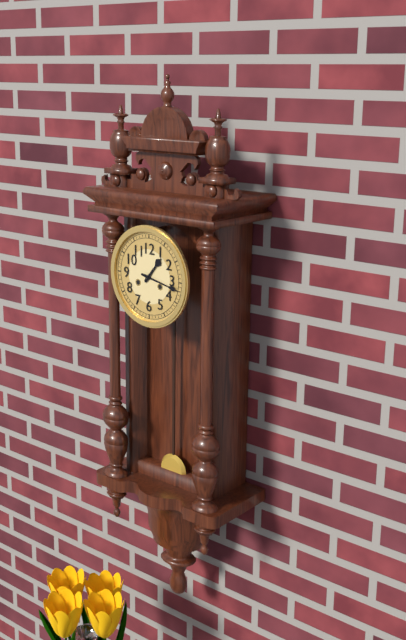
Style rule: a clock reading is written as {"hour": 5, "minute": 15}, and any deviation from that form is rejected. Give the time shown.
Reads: {"hour": 1, "minute": 17}
